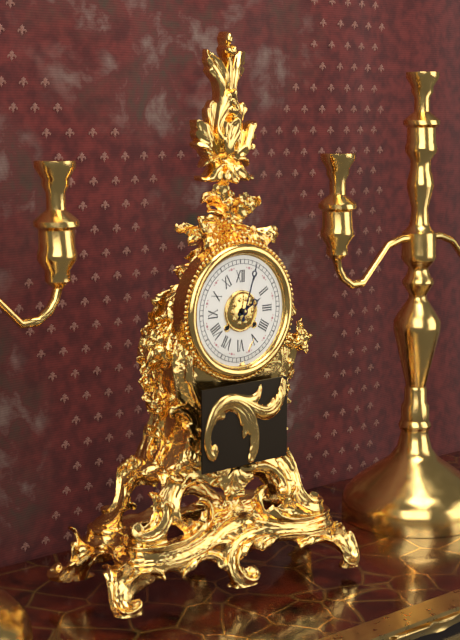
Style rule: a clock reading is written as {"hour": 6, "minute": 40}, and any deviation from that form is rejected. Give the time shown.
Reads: {"hour": 2, "minute": 3}
